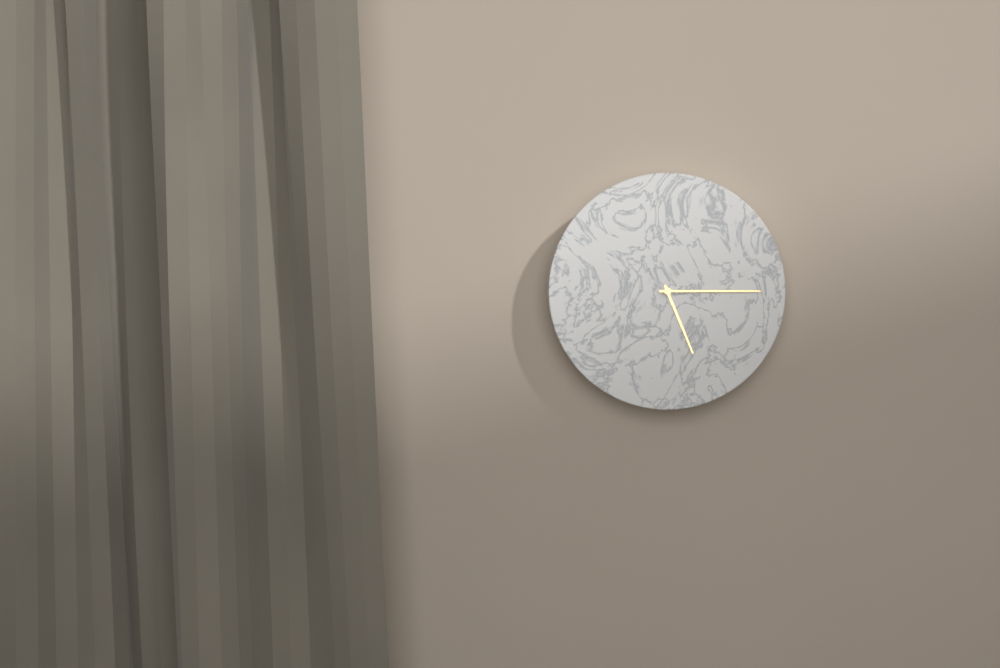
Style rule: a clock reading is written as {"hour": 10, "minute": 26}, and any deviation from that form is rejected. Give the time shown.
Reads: {"hour": 5, "minute": 15}
